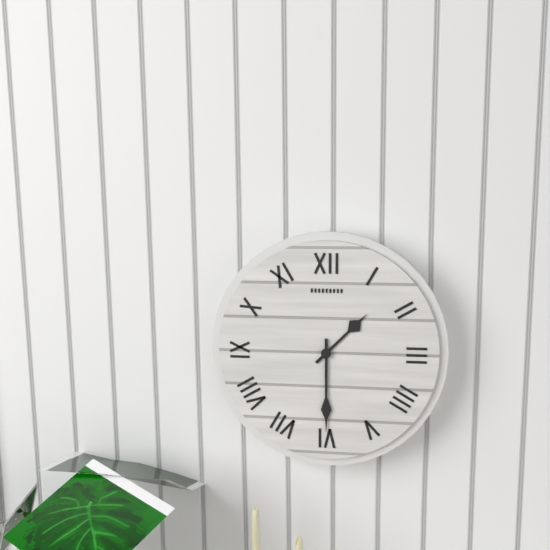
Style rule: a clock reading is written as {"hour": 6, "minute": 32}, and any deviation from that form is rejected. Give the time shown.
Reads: {"hour": 1, "minute": 30}
